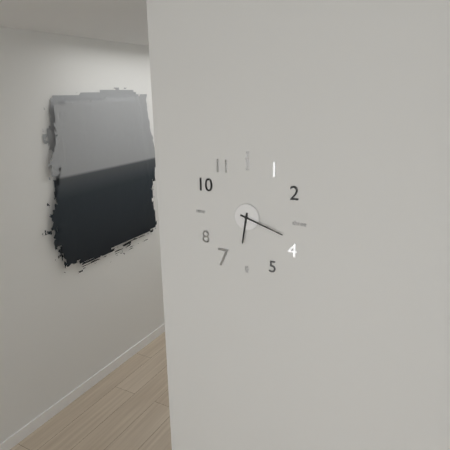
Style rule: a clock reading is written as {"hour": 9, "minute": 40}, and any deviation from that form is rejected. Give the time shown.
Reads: {"hour": 6, "minute": 18}
